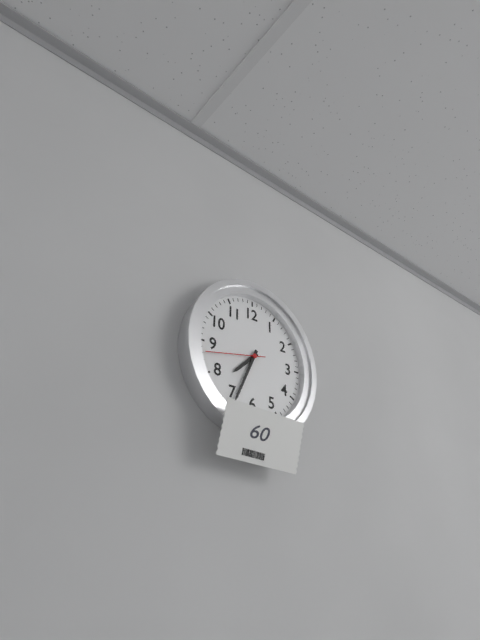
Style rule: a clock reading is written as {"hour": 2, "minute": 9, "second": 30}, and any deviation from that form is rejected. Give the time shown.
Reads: {"hour": 7, "minute": 34, "second": 43}
